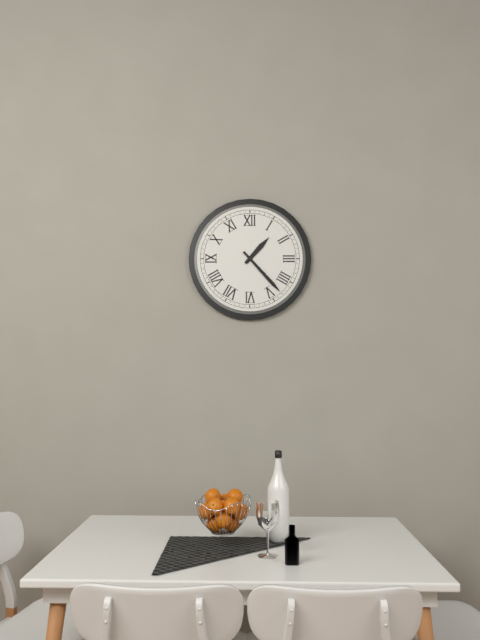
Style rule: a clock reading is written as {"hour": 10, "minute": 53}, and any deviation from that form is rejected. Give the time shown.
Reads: {"hour": 1, "minute": 23}
